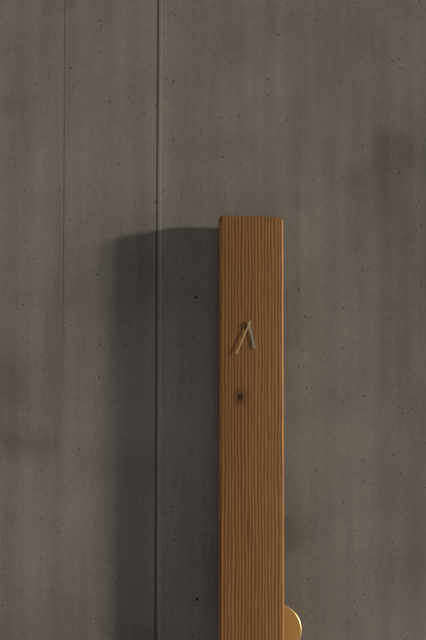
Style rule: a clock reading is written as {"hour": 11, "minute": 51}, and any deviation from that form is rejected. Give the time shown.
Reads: {"hour": 5, "minute": 34}
